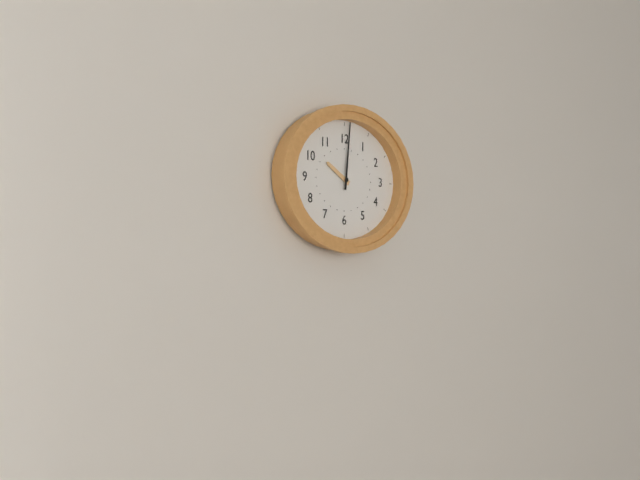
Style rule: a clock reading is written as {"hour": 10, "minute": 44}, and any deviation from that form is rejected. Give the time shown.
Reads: {"hour": 10, "minute": 1}
